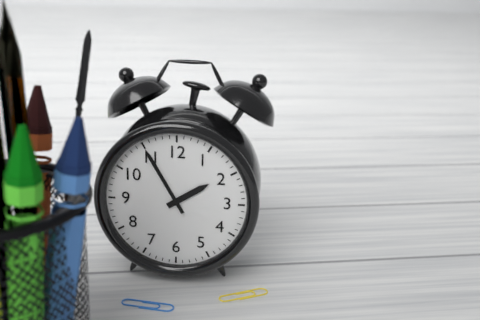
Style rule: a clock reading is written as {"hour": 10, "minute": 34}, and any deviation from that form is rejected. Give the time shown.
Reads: {"hour": 1, "minute": 55}
